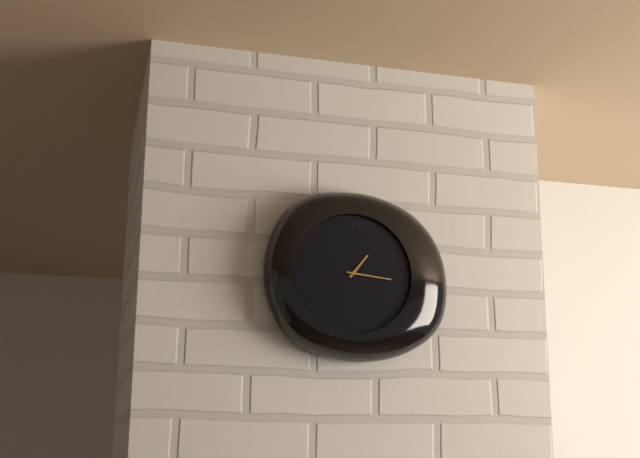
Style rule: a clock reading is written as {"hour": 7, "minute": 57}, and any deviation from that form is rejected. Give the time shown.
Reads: {"hour": 1, "minute": 16}
